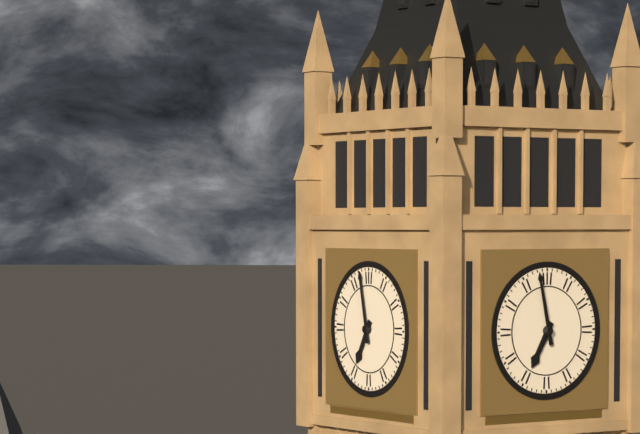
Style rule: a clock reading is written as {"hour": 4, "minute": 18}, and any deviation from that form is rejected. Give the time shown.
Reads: {"hour": 6, "minute": 58}
